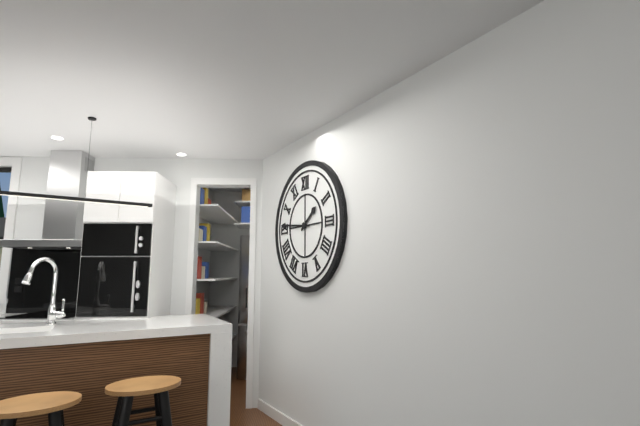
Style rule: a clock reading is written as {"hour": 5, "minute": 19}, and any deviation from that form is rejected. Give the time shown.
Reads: {"hour": 1, "minute": 46}
